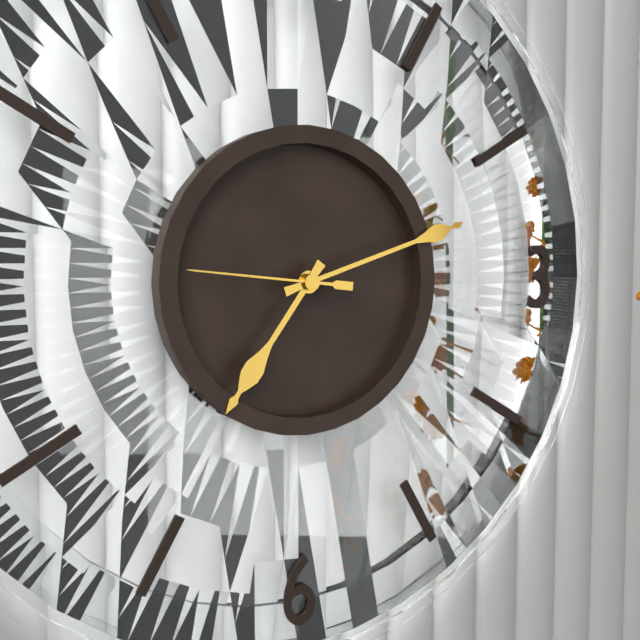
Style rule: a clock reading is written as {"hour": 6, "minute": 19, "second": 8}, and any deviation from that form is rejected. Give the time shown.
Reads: {"hour": 7, "minute": 12, "second": 46}
